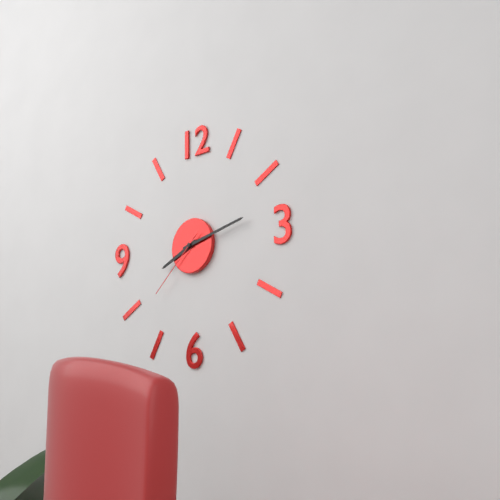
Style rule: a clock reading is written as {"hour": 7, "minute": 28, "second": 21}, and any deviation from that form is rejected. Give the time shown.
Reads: {"hour": 8, "minute": 13, "second": 38}
